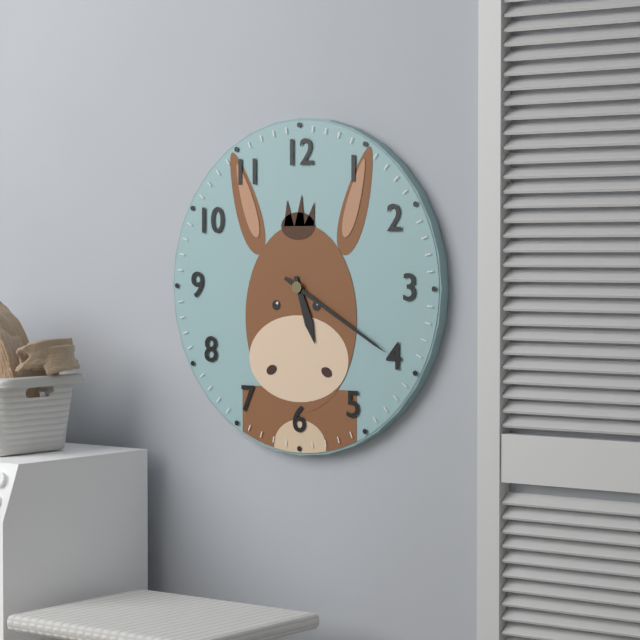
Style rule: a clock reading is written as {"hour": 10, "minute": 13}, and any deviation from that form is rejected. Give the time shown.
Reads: {"hour": 5, "minute": 20}
